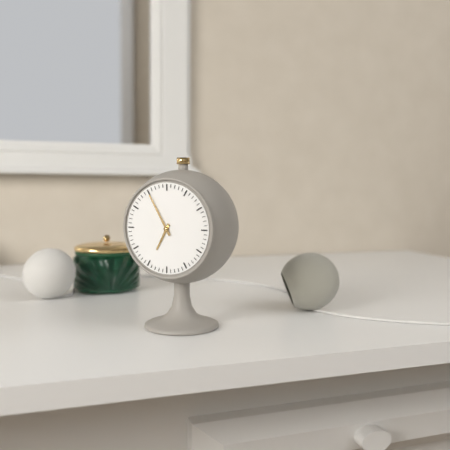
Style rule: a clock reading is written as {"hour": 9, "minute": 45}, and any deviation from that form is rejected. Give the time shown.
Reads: {"hour": 6, "minute": 55}
